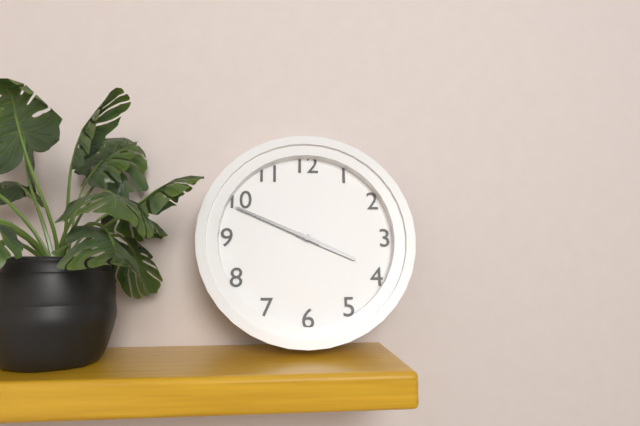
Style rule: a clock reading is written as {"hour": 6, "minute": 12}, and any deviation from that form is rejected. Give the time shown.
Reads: {"hour": 3, "minute": 49}
